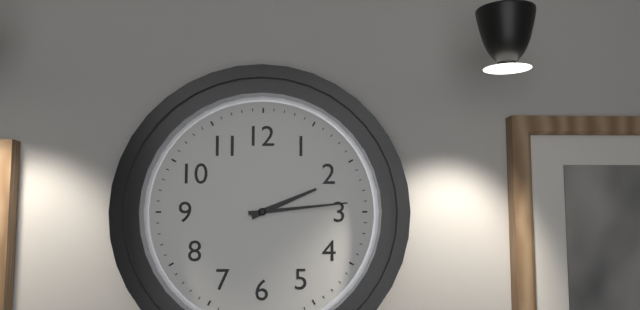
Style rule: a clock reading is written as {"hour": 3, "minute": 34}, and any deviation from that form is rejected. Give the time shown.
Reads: {"hour": 2, "minute": 14}
